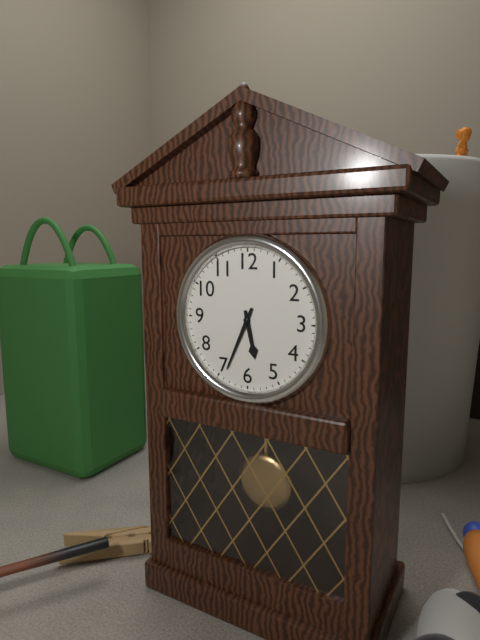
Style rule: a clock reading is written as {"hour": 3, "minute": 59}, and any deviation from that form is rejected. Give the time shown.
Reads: {"hour": 5, "minute": 34}
